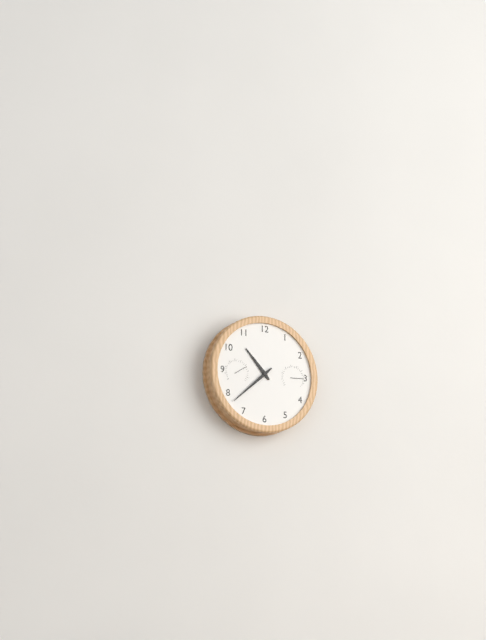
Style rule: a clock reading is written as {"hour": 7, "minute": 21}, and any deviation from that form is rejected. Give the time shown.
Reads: {"hour": 10, "minute": 38}
